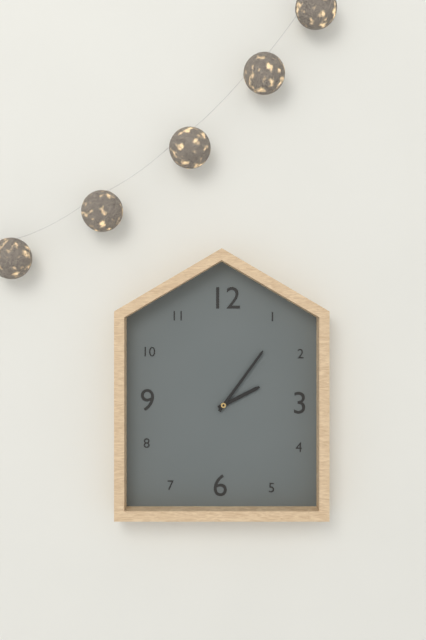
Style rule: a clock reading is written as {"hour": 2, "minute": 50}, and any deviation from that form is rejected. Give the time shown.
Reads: {"hour": 2, "minute": 6}
